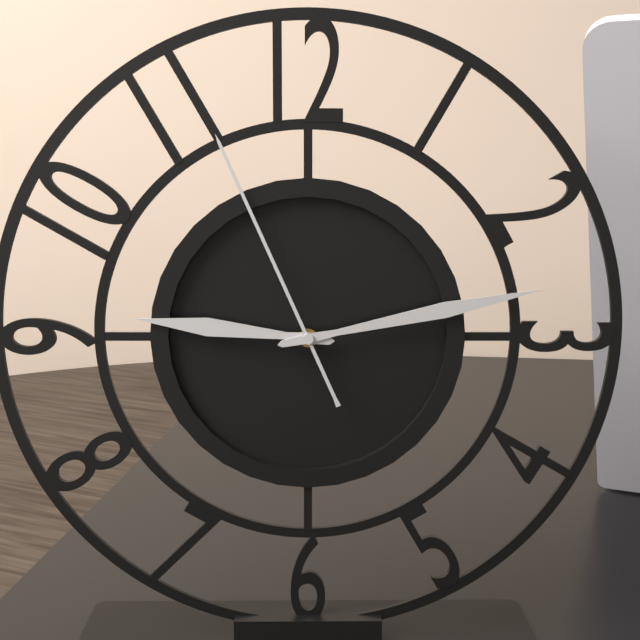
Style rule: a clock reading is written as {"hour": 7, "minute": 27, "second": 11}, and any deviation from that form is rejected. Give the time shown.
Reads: {"hour": 9, "minute": 13, "second": 56}
